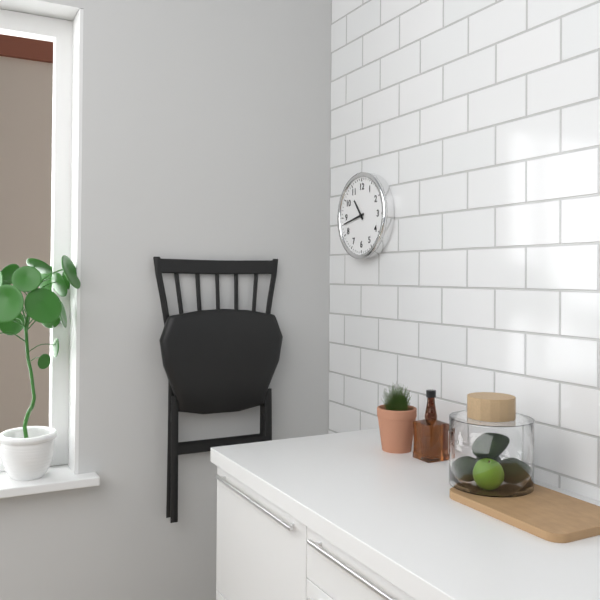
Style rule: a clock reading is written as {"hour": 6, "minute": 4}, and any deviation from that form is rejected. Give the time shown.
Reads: {"hour": 10, "minute": 43}
